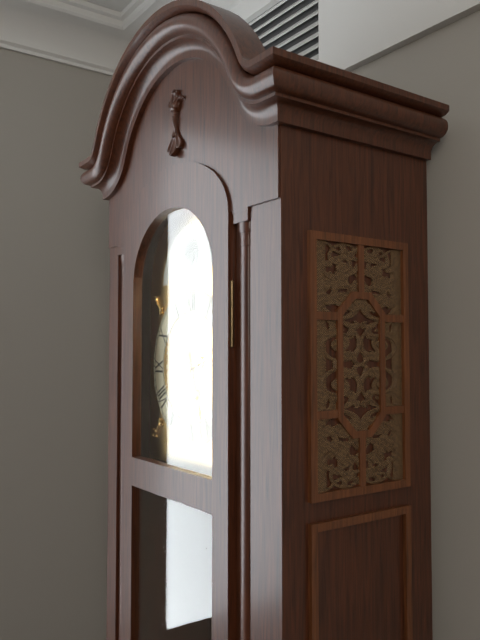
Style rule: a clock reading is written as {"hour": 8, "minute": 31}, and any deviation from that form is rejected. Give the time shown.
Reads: {"hour": 2, "minute": 27}
